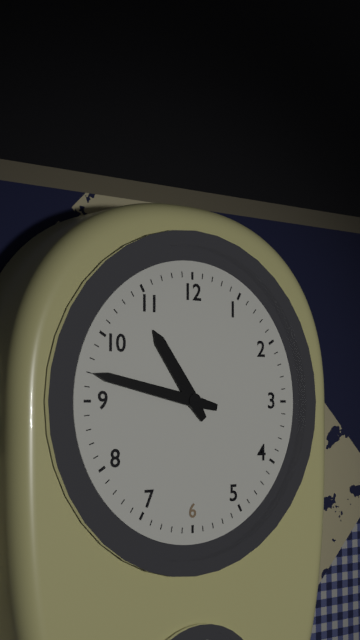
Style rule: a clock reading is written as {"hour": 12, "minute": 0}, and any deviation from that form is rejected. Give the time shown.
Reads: {"hour": 10, "minute": 47}
